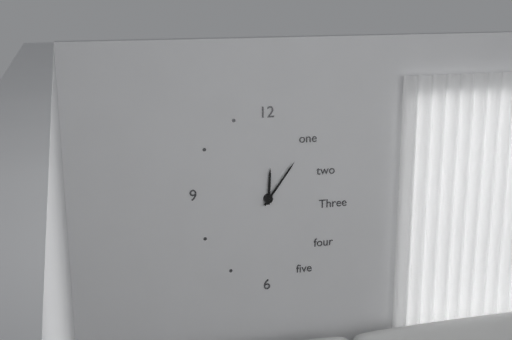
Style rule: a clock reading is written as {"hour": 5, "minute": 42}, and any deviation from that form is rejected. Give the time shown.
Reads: {"hour": 12, "minute": 6}
